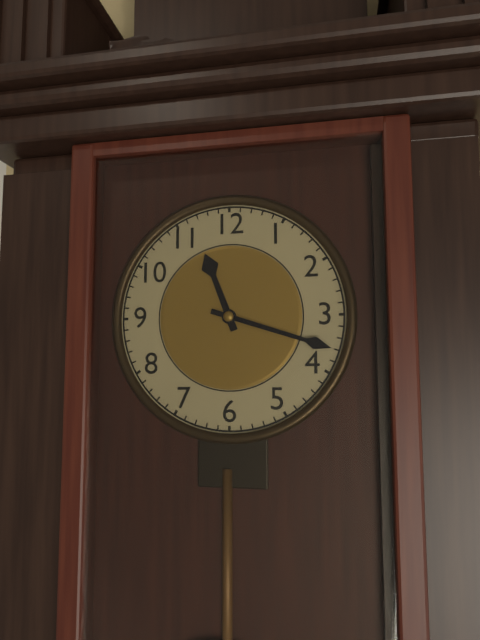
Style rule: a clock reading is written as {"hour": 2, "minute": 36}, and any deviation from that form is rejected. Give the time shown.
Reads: {"hour": 11, "minute": 18}
